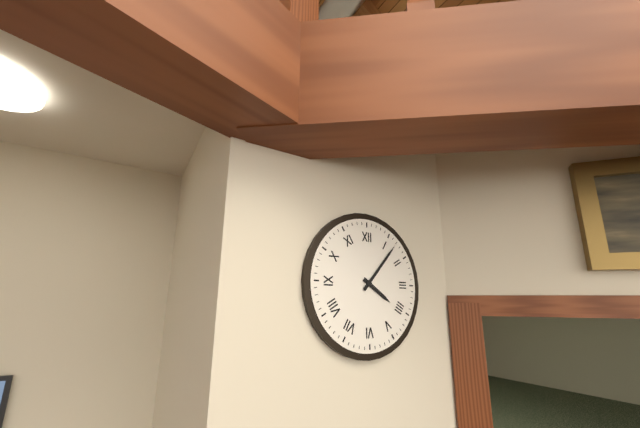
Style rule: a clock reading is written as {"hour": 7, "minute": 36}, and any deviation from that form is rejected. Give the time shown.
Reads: {"hour": 4, "minute": 7}
